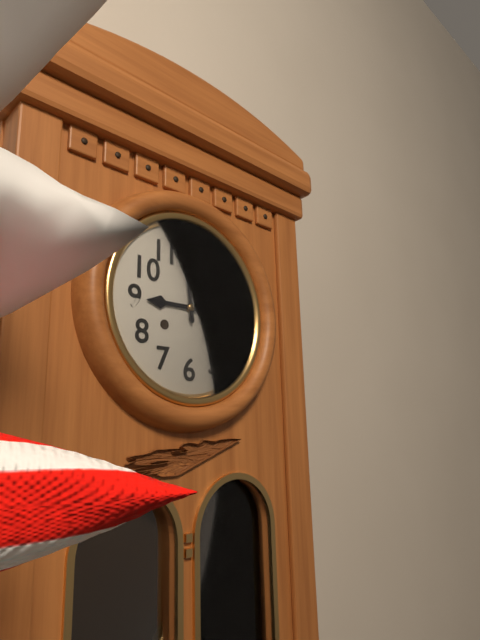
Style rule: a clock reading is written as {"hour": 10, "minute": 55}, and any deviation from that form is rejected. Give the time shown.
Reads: {"hour": 8, "minute": 59}
